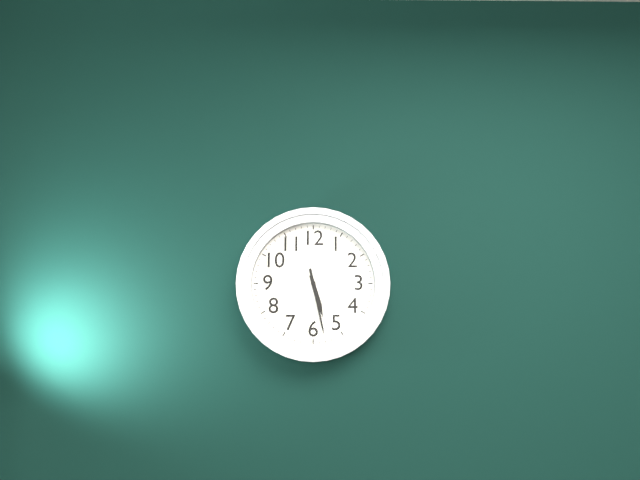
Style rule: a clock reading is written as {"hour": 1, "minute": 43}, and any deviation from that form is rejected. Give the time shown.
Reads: {"hour": 5, "minute": 28}
